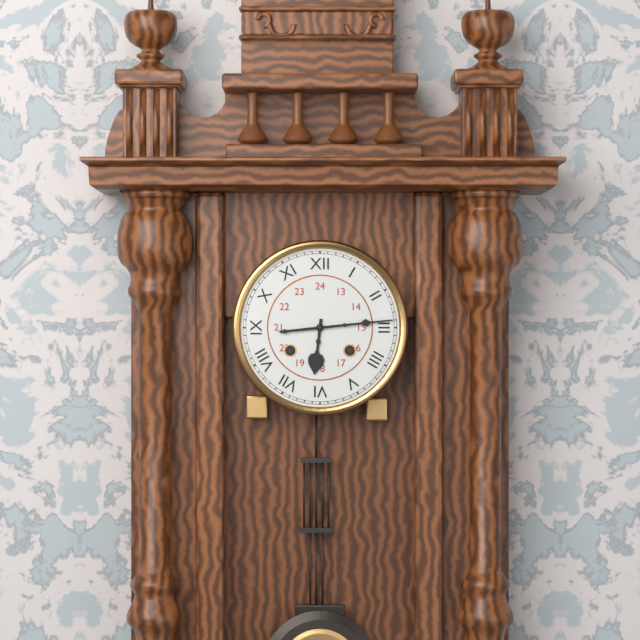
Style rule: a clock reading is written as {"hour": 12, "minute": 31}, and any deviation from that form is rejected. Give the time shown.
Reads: {"hour": 6, "minute": 14}
